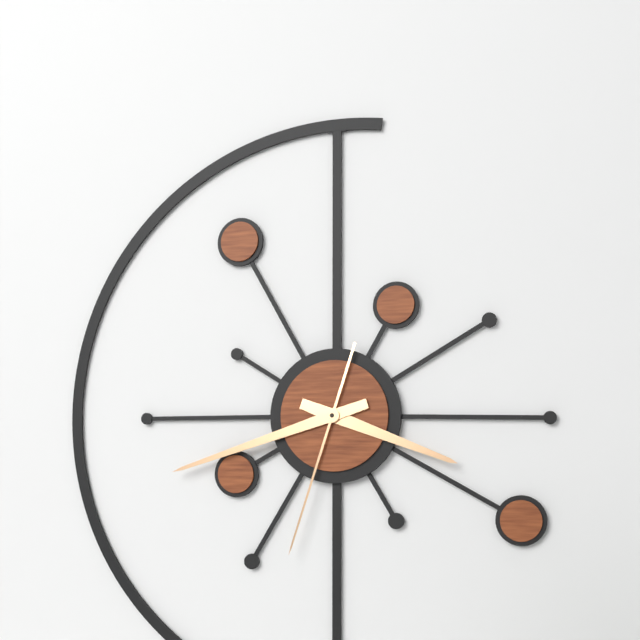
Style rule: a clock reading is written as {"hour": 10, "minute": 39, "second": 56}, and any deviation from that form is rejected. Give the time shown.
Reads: {"hour": 3, "minute": 42, "second": 33}
